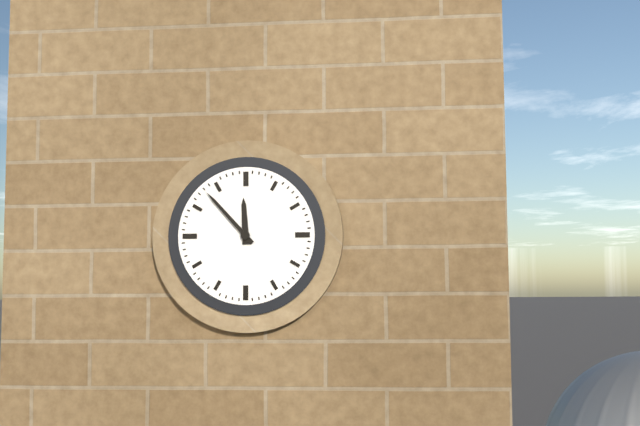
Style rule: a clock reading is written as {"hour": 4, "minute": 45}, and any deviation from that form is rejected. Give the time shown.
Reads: {"hour": 11, "minute": 53}
